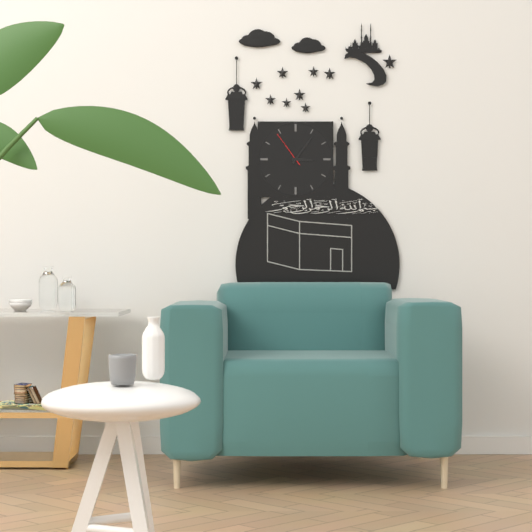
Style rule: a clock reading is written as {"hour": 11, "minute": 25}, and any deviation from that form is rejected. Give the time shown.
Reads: {"hour": 3, "minute": 6}
